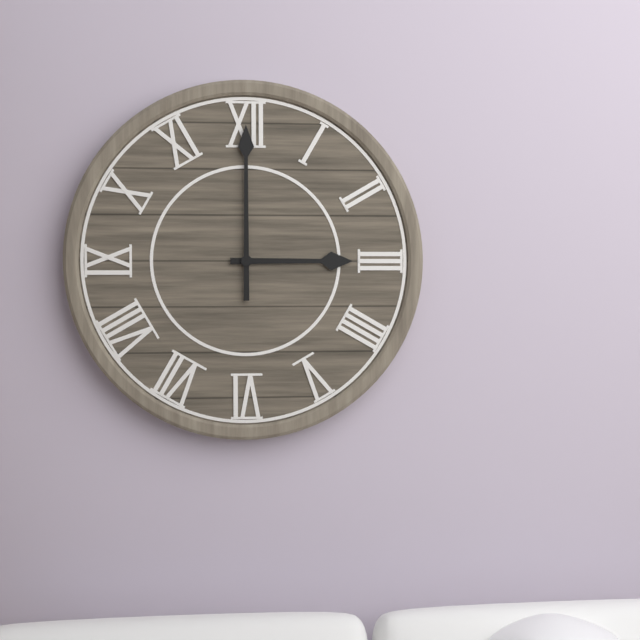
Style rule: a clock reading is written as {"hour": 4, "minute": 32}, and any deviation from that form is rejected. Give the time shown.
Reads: {"hour": 3, "minute": 0}
